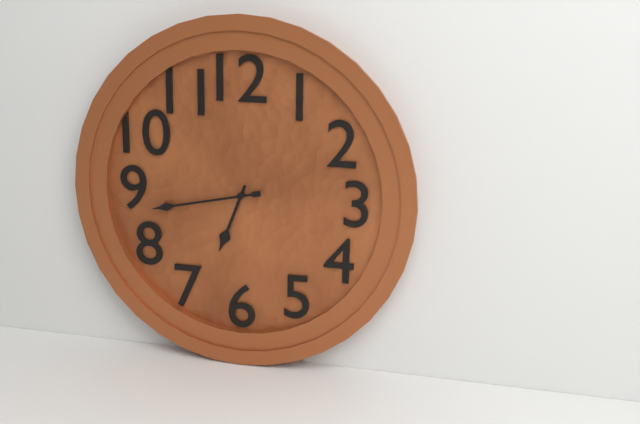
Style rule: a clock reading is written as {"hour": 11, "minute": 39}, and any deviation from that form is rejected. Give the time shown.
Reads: {"hour": 6, "minute": 43}
